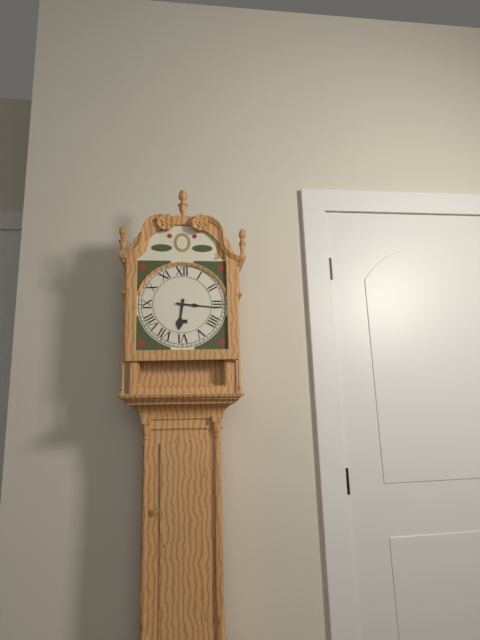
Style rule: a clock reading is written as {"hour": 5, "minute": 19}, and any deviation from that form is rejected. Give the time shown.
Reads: {"hour": 6, "minute": 16}
